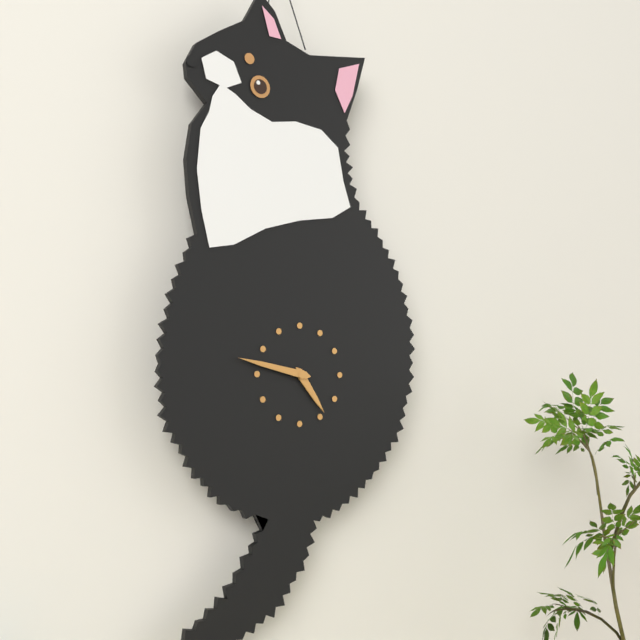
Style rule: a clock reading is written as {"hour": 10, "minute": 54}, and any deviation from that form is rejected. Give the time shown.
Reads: {"hour": 4, "minute": 47}
